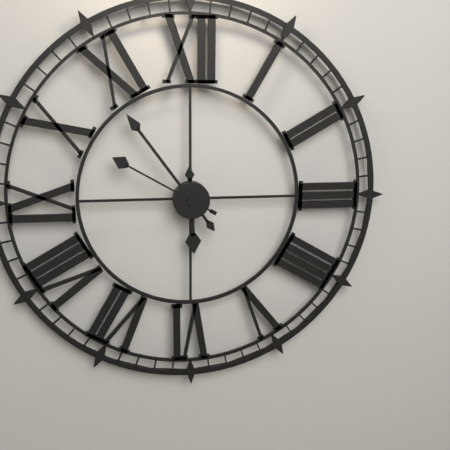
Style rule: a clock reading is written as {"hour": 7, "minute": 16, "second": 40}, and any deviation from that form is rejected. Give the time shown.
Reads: {"hour": 5, "minute": 54, "second": 50}
